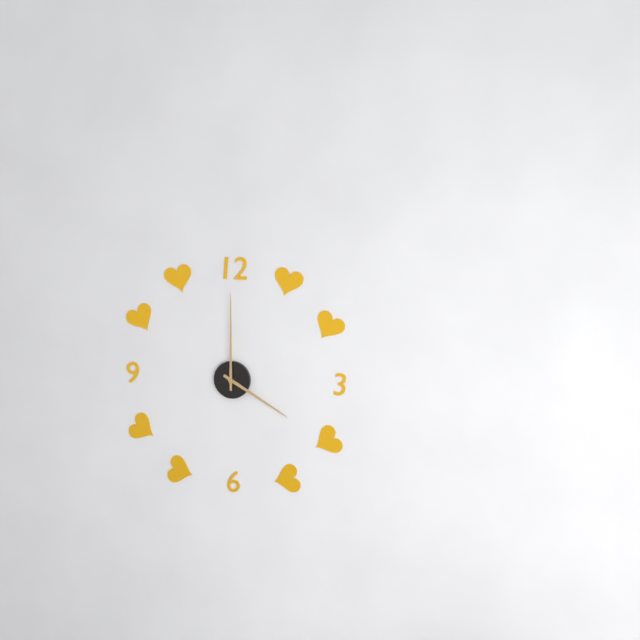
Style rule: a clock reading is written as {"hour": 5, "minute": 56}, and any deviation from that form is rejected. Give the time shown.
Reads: {"hour": 4, "minute": 0}
